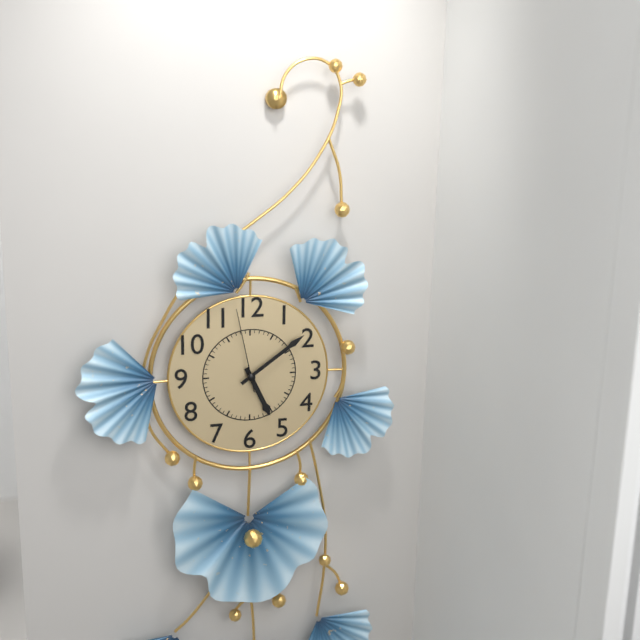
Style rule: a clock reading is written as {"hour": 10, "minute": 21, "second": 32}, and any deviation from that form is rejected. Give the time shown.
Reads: {"hour": 5, "minute": 9, "second": 58}
